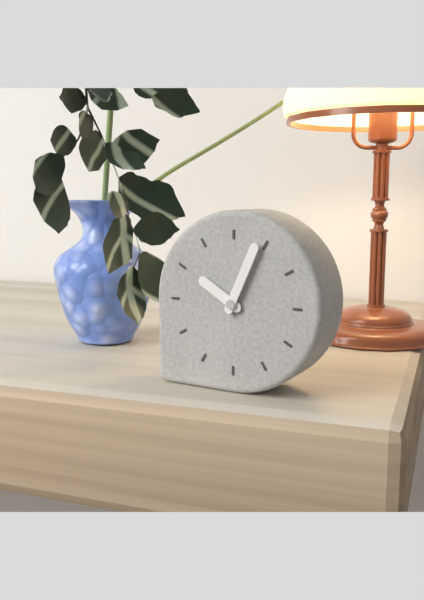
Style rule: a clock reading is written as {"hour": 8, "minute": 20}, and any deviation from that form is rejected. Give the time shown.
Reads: {"hour": 10, "minute": 4}
